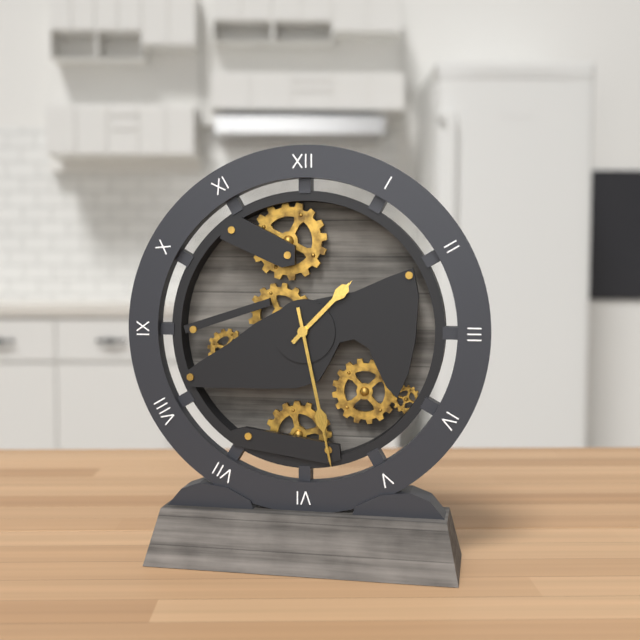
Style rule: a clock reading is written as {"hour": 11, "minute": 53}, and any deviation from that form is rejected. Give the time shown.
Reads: {"hour": 1, "minute": 28}
